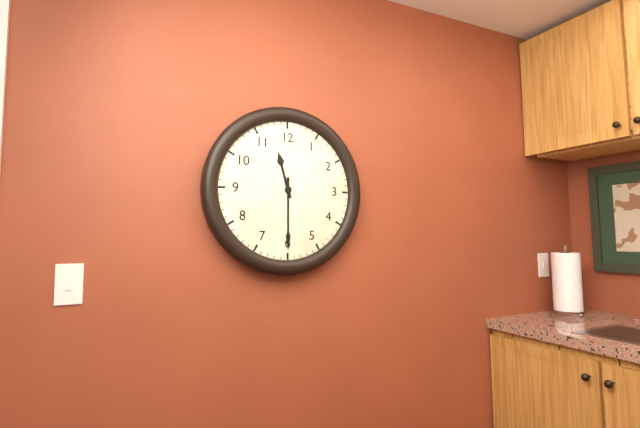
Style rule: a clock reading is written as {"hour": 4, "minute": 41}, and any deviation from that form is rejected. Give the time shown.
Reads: {"hour": 11, "minute": 30}
